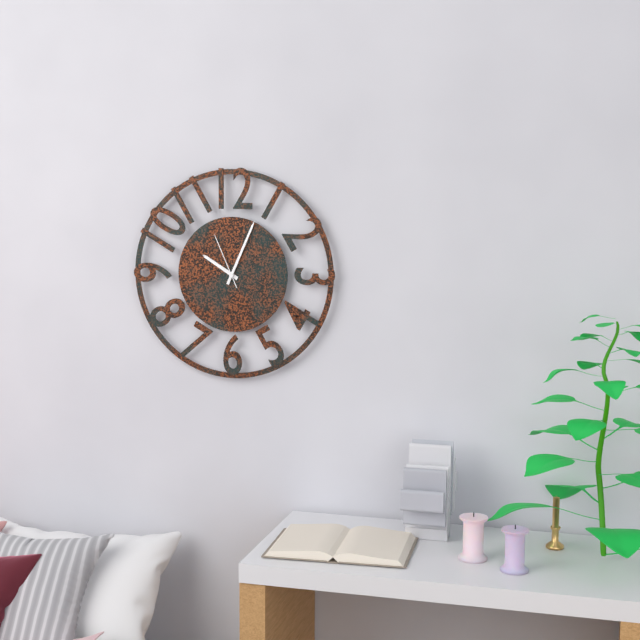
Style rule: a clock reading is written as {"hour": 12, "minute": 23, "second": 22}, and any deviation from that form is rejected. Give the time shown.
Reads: {"hour": 10, "minute": 4, "second": 56}
